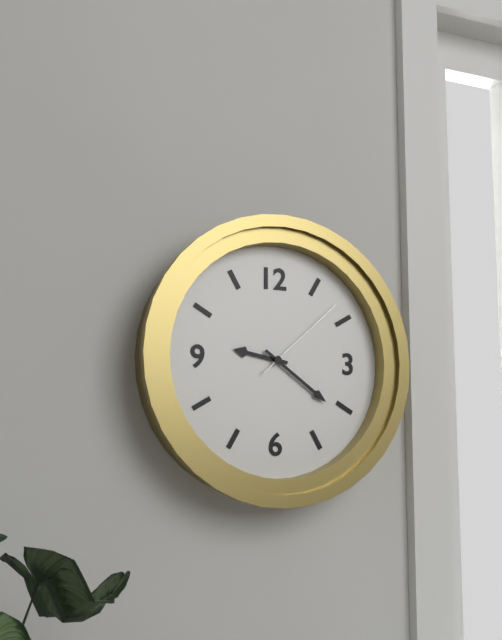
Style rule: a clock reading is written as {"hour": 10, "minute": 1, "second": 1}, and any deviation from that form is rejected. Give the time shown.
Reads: {"hour": 9, "minute": 21, "second": 8}
